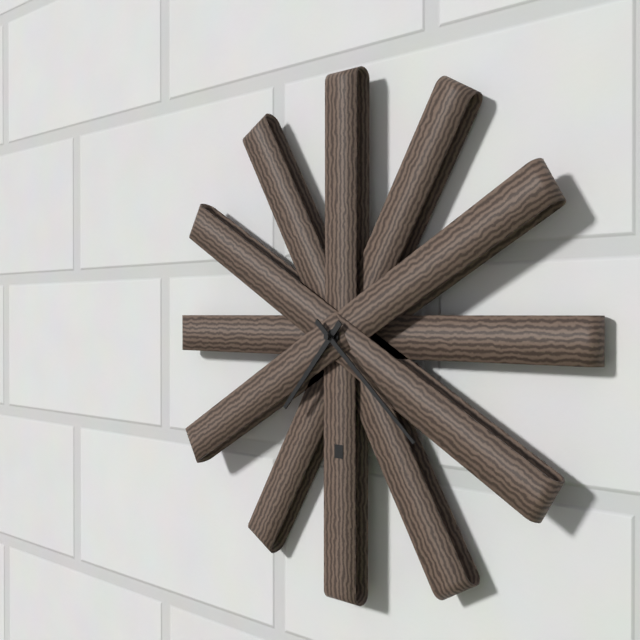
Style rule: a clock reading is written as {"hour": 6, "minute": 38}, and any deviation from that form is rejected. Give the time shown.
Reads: {"hour": 7, "minute": 22}
